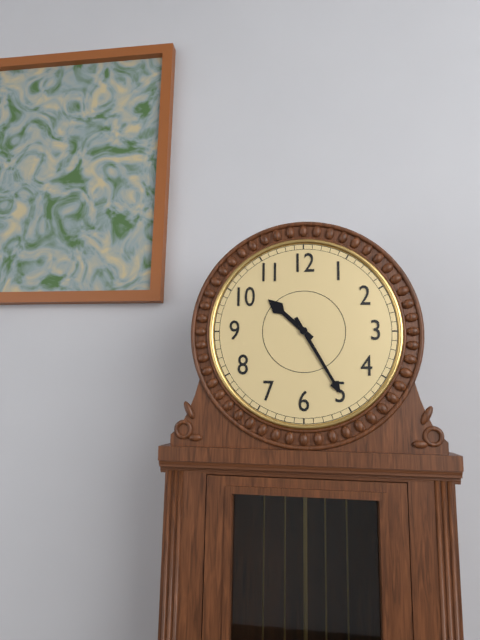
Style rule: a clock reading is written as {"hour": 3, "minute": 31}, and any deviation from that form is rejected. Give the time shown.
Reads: {"hour": 10, "minute": 25}
